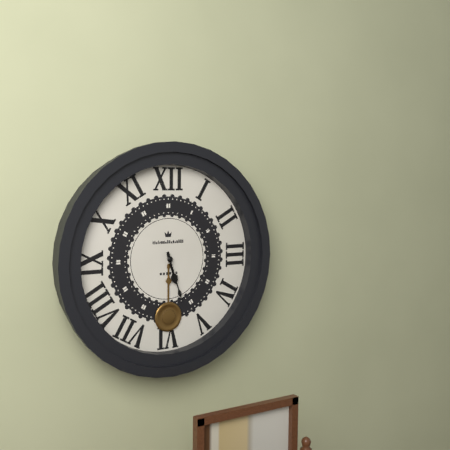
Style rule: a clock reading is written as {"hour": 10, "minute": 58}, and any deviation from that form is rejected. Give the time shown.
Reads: {"hour": 5, "minute": 27}
